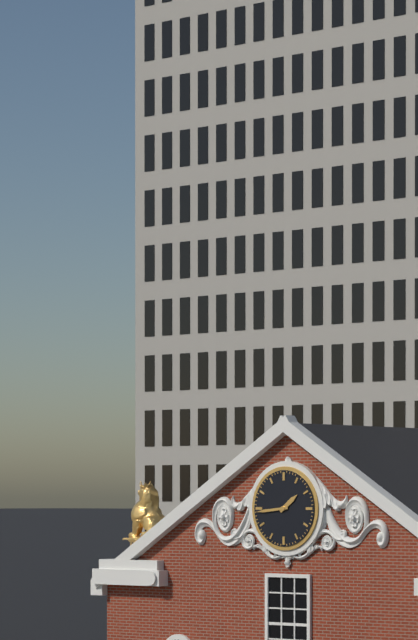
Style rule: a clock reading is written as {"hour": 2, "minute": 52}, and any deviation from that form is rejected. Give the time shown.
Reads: {"hour": 1, "minute": 44}
